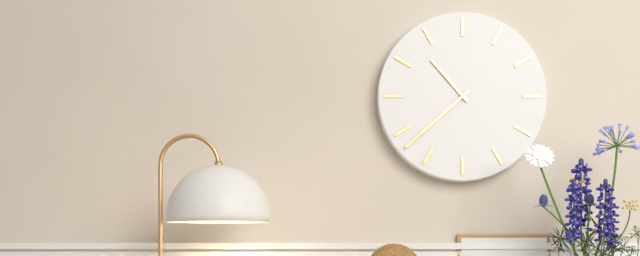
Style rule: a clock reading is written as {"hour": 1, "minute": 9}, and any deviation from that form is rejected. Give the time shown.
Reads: {"hour": 10, "minute": 38}
